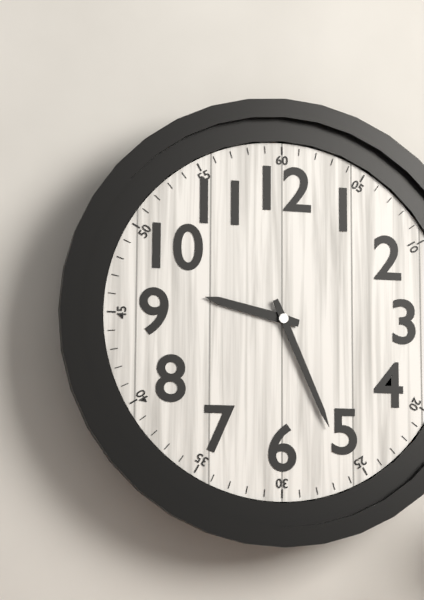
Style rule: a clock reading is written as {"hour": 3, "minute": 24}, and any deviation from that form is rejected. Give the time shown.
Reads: {"hour": 9, "minute": 26}
